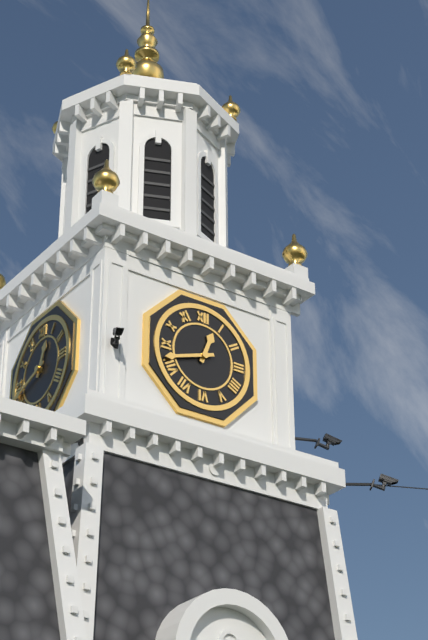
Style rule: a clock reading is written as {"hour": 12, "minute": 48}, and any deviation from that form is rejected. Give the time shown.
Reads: {"hour": 12, "minute": 42}
